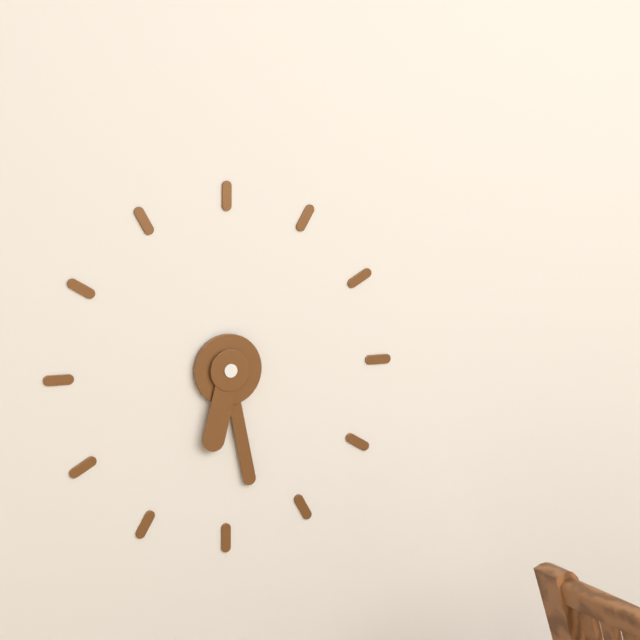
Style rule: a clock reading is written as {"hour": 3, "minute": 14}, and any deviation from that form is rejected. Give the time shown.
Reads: {"hour": 6, "minute": 28}
